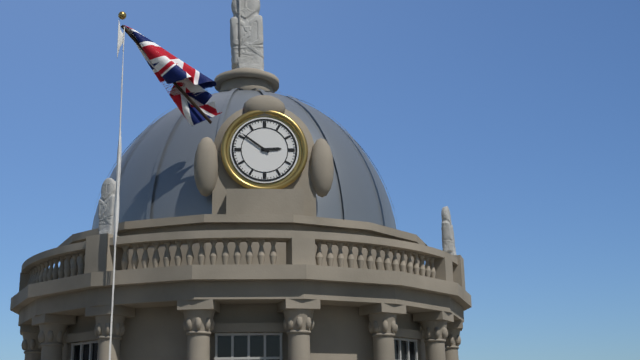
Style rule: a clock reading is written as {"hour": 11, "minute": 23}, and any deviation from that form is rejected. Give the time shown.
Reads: {"hour": 2, "minute": 51}
